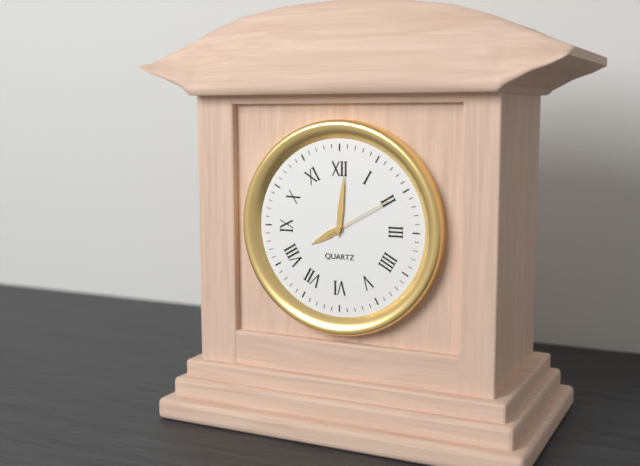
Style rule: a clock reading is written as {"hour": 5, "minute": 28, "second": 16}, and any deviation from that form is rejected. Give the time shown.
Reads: {"hour": 8, "minute": 1, "second": 10}
